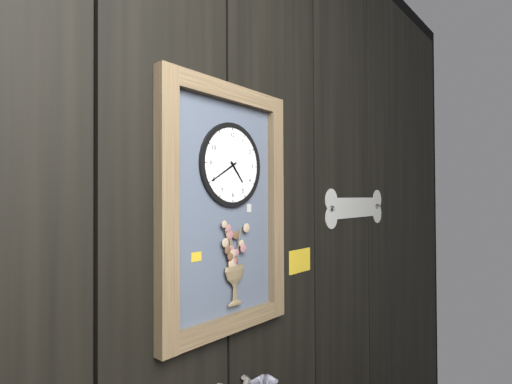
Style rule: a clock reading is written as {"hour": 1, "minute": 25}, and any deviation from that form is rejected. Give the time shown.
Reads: {"hour": 4, "minute": 40}
